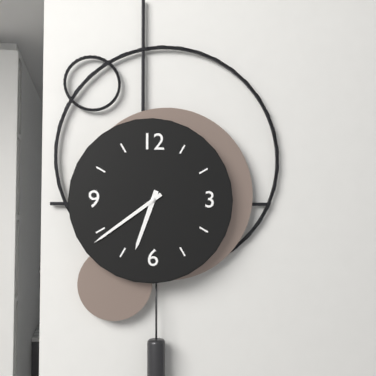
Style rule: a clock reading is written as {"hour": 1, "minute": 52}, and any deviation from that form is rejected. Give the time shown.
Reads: {"hour": 6, "minute": 39}
